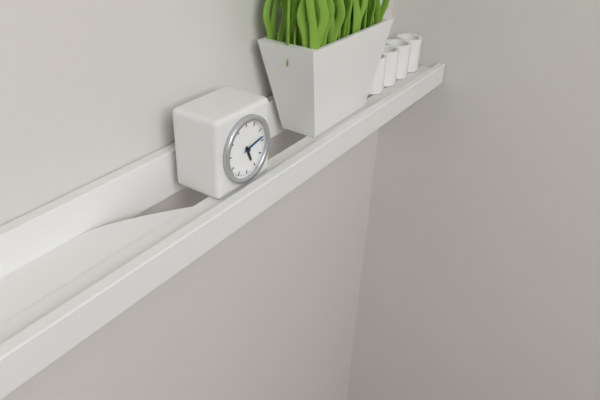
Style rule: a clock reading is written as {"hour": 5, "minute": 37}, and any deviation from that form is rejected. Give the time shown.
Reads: {"hour": 5, "minute": 13}
